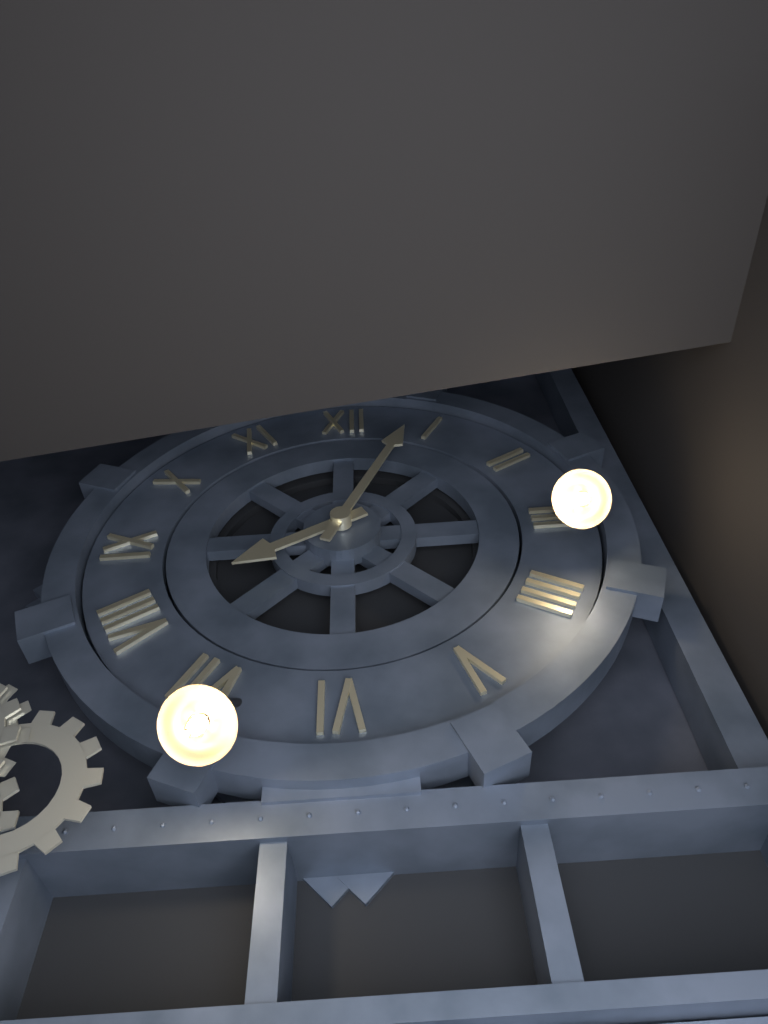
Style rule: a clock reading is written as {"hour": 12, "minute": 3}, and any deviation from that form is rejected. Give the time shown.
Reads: {"hour": 8, "minute": 4}
